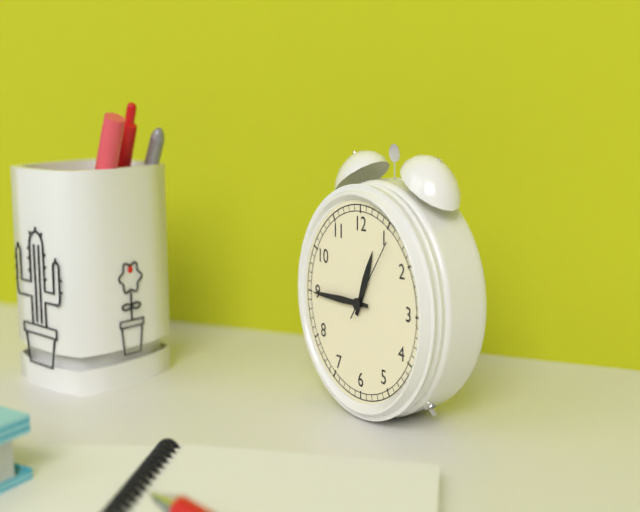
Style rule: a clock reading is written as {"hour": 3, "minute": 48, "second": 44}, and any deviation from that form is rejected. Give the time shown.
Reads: {"hour": 12, "minute": 45, "second": 6}
